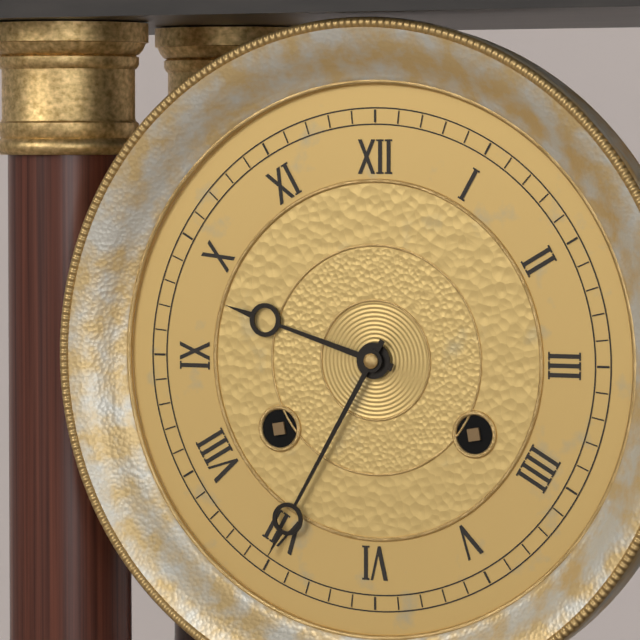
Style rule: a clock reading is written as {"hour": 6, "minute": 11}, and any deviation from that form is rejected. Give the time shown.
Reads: {"hour": 9, "minute": 35}
